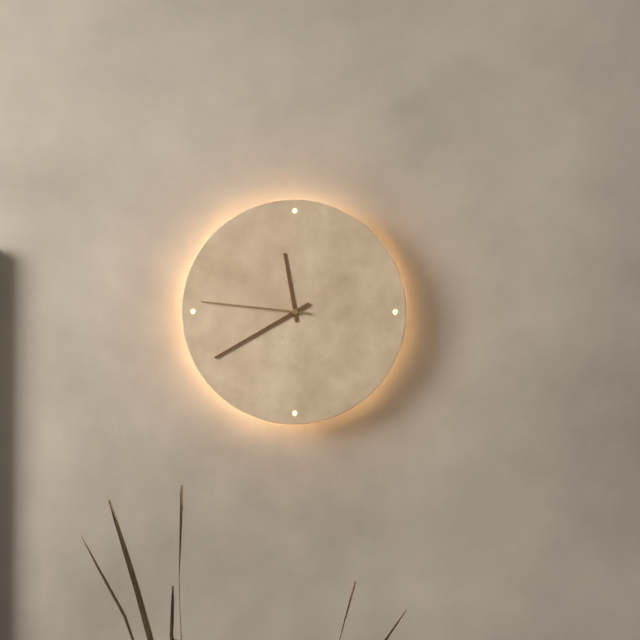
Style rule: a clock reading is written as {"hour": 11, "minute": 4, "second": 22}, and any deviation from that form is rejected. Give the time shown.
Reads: {"hour": 11, "minute": 40, "second": 46}
